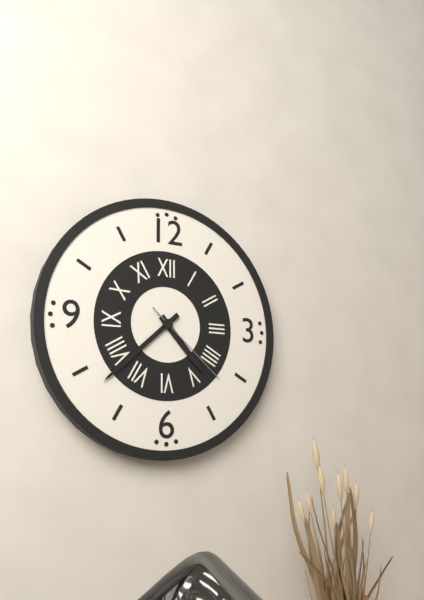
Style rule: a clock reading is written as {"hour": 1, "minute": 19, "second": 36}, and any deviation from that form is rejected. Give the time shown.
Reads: {"hour": 4, "minute": 38, "second": 22}
